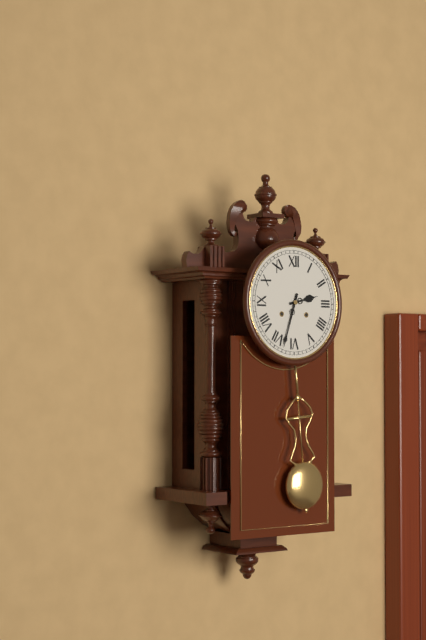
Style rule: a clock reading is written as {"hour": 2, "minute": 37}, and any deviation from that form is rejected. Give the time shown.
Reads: {"hour": 2, "minute": 33}
